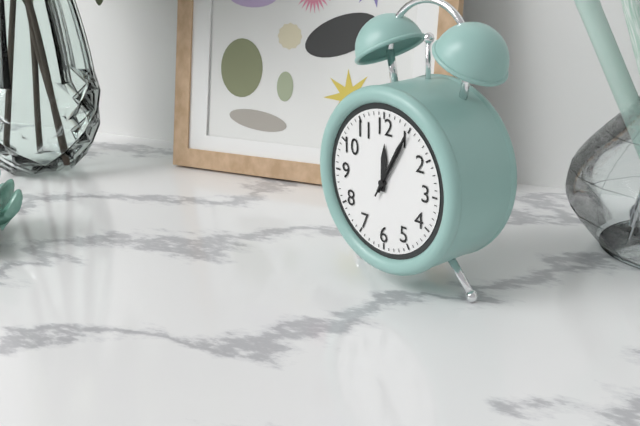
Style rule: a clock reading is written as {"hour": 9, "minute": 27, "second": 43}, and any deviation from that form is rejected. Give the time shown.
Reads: {"hour": 12, "minute": 5, "second": 5}
